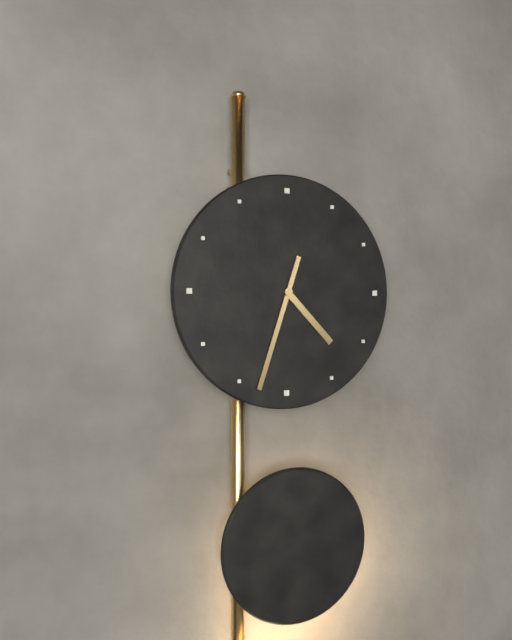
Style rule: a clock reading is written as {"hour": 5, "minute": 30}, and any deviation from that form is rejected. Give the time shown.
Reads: {"hour": 4, "minute": 33}
